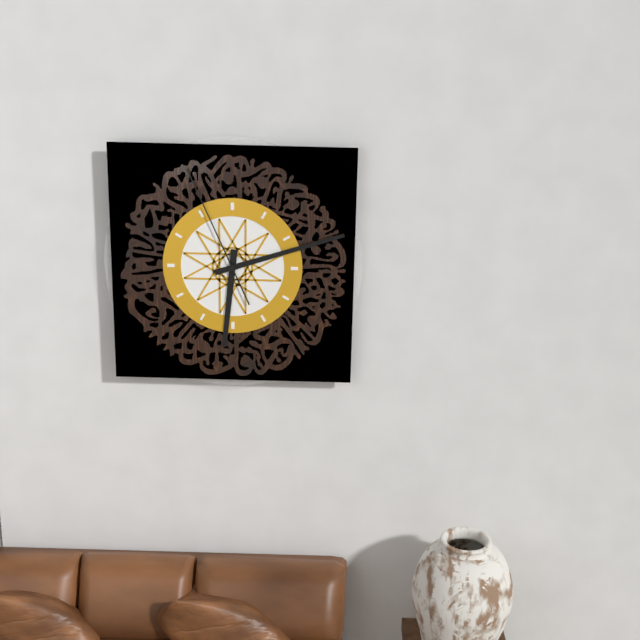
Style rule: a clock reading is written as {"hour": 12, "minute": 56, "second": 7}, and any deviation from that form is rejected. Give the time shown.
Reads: {"hour": 6, "minute": 12, "second": 56}
